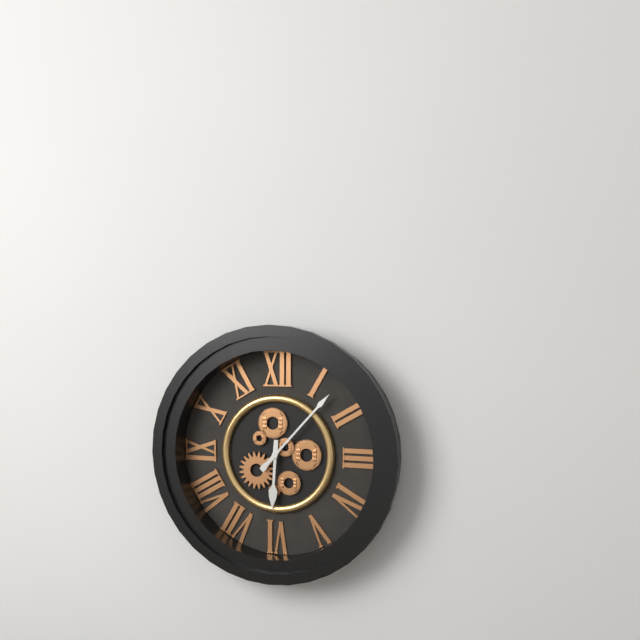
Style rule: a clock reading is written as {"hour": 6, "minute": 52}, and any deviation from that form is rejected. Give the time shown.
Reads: {"hour": 6, "minute": 7}
